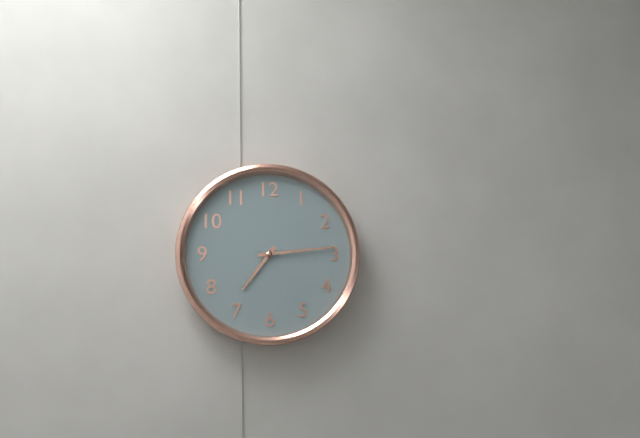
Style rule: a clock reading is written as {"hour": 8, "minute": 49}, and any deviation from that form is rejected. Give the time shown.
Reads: {"hour": 7, "minute": 14}
